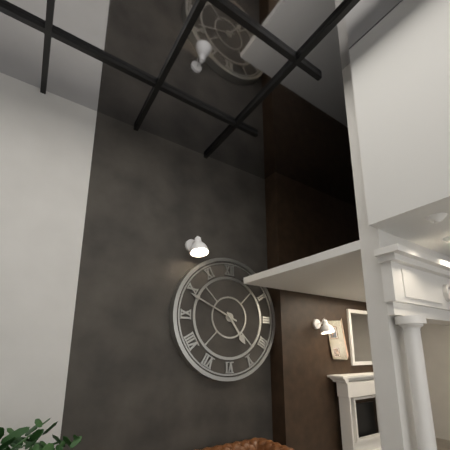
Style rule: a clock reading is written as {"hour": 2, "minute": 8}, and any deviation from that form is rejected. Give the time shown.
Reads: {"hour": 4, "minute": 49}
